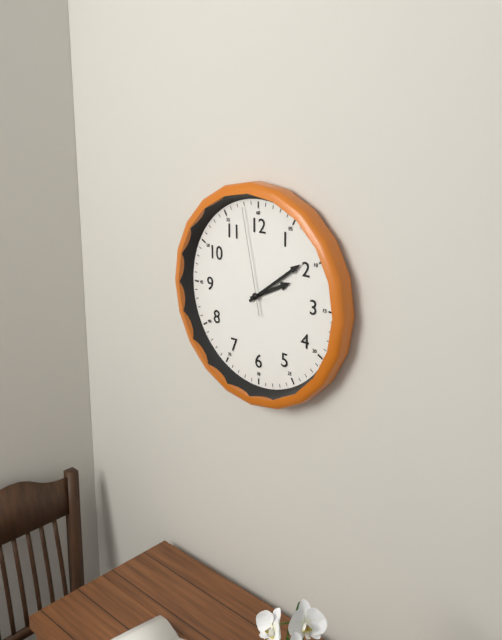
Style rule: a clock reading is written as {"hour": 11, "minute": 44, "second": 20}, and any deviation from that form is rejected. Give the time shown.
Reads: {"hour": 2, "minute": 9, "second": 58}
